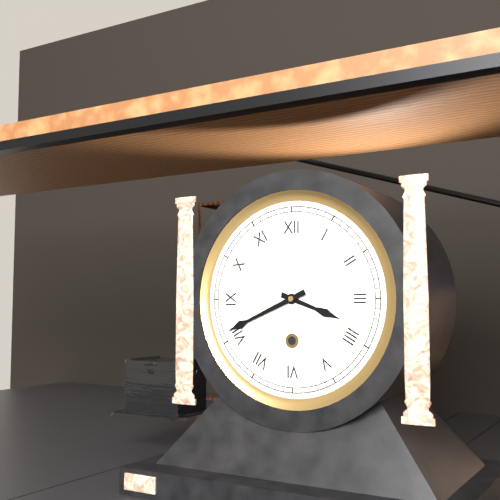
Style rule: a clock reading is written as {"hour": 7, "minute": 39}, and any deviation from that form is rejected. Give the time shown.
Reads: {"hour": 3, "minute": 41}
